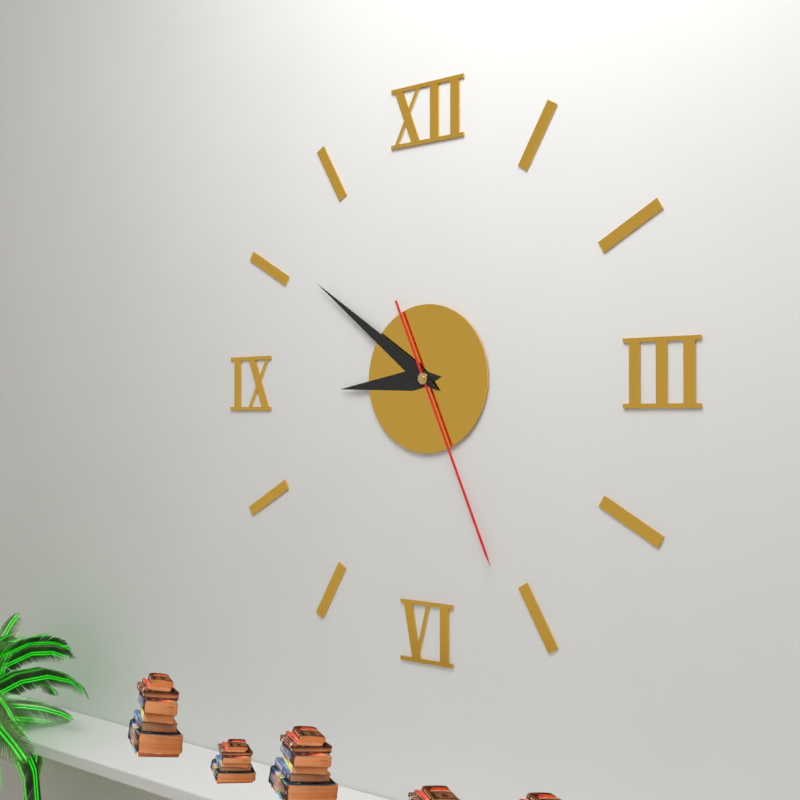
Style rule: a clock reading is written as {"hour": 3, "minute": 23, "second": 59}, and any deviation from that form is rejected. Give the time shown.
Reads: {"hour": 8, "minute": 51, "second": 26}
